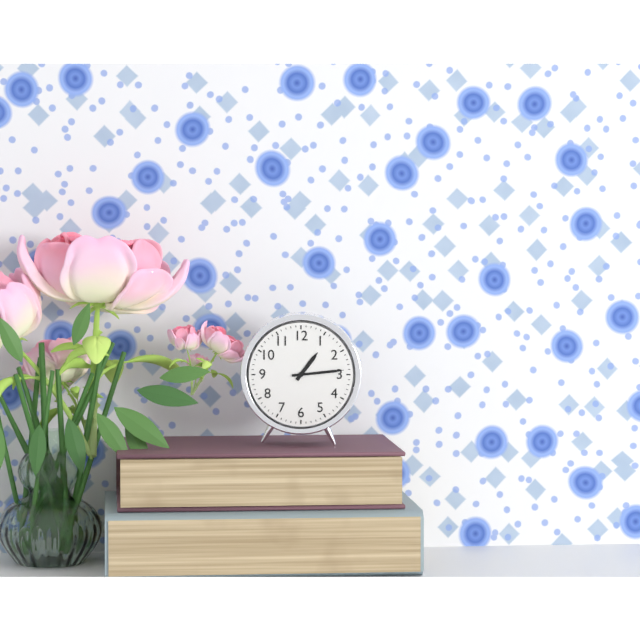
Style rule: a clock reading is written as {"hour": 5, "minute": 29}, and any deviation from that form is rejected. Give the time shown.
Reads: {"hour": 1, "minute": 14}
